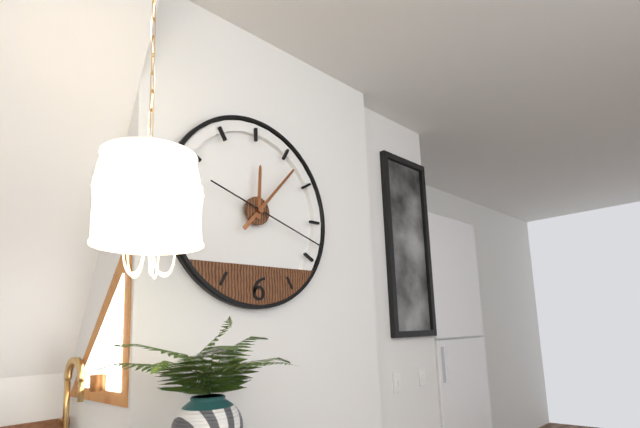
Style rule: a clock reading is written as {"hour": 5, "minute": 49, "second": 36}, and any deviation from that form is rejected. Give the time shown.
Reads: {"hour": 12, "minute": 7, "second": 18}
